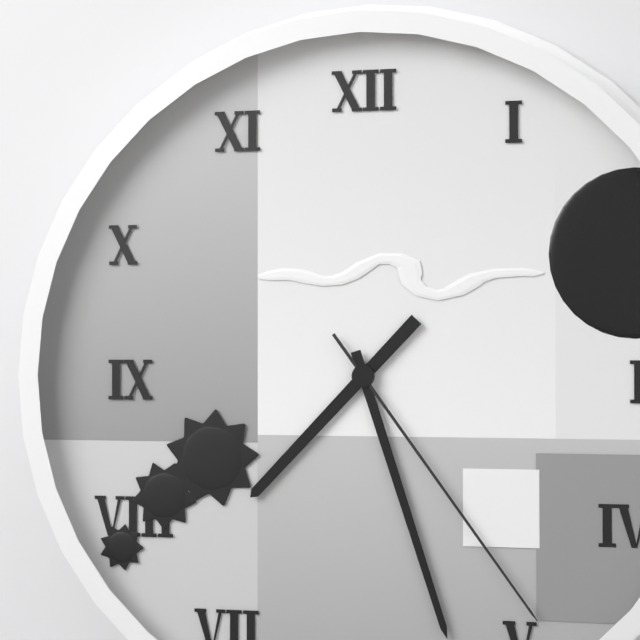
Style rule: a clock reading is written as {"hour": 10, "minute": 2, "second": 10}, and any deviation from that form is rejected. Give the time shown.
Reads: {"hour": 7, "minute": 27, "second": 24}
